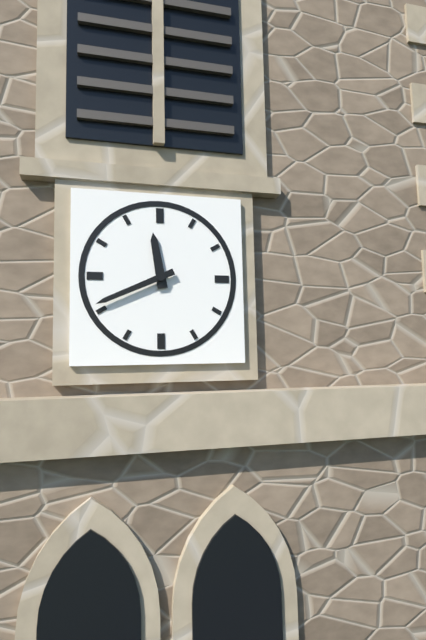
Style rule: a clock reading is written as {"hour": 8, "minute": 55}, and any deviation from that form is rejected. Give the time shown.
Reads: {"hour": 11, "minute": 41}
